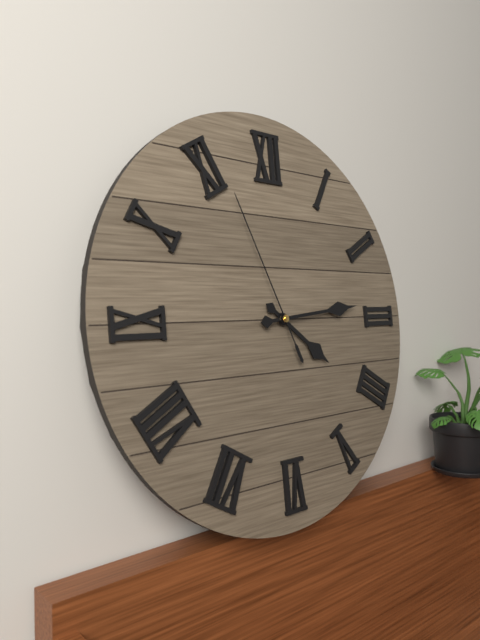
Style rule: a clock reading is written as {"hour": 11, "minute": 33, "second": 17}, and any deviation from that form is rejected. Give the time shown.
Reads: {"hour": 4, "minute": 14, "second": 56}
